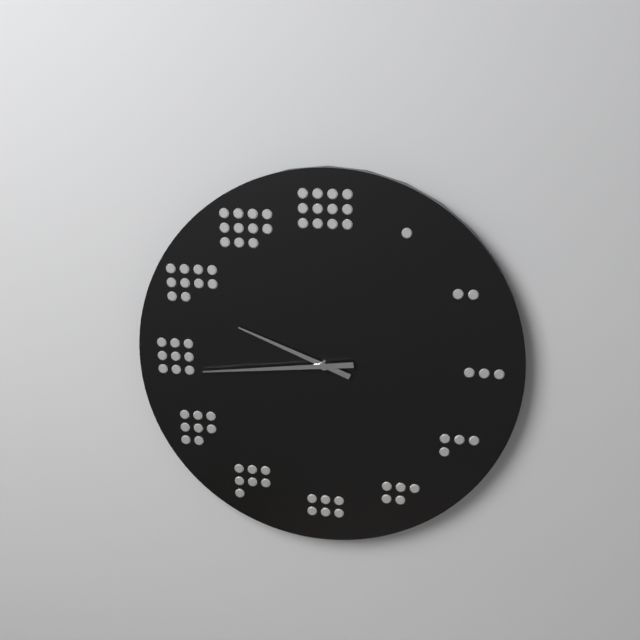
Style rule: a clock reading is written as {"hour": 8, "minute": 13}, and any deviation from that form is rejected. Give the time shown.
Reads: {"hour": 9, "minute": 44}
